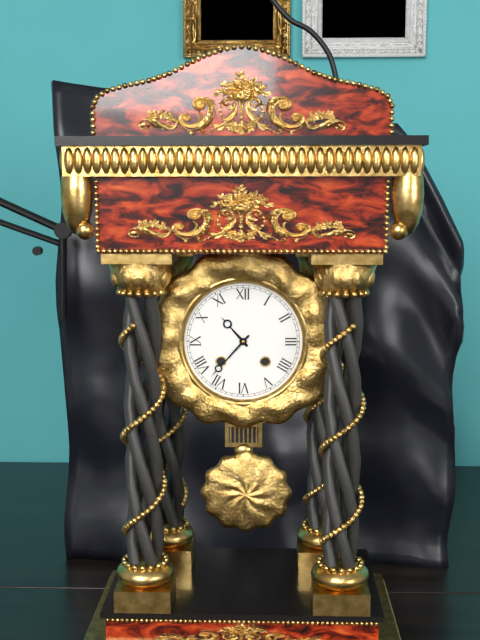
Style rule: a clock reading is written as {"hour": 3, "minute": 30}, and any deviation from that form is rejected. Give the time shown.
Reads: {"hour": 10, "minute": 37}
